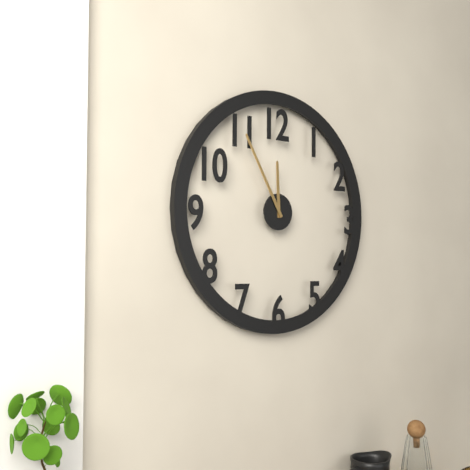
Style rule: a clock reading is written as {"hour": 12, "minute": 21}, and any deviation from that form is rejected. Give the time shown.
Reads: {"hour": 11, "minute": 55}
